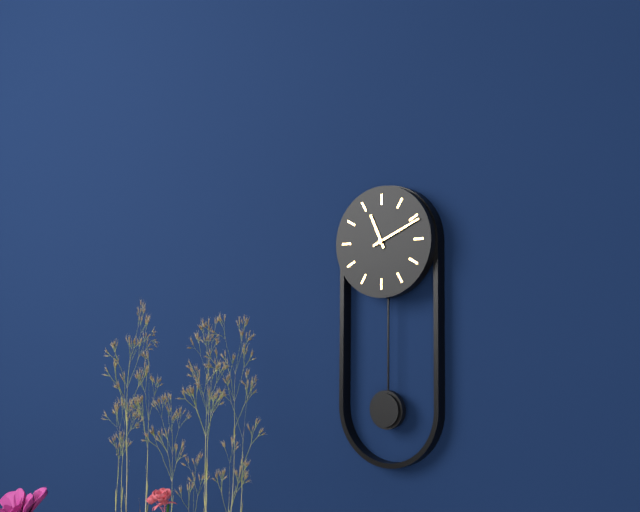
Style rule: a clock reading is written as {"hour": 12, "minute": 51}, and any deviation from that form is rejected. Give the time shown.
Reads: {"hour": 11, "minute": 11}
